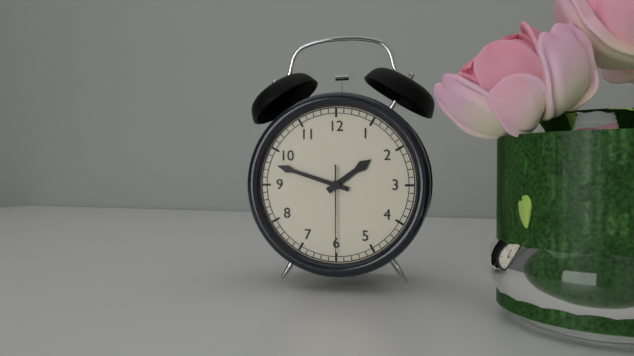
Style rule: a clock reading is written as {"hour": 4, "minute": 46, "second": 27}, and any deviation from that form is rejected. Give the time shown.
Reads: {"hour": 1, "minute": 48, "second": 30}
